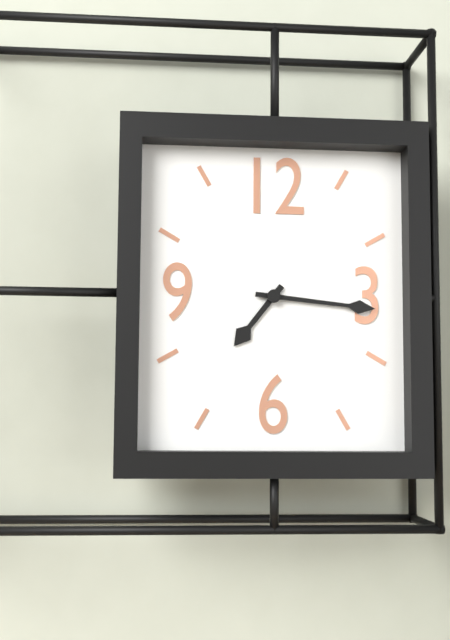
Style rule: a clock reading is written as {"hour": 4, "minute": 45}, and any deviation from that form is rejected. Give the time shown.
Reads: {"hour": 7, "minute": 16}
